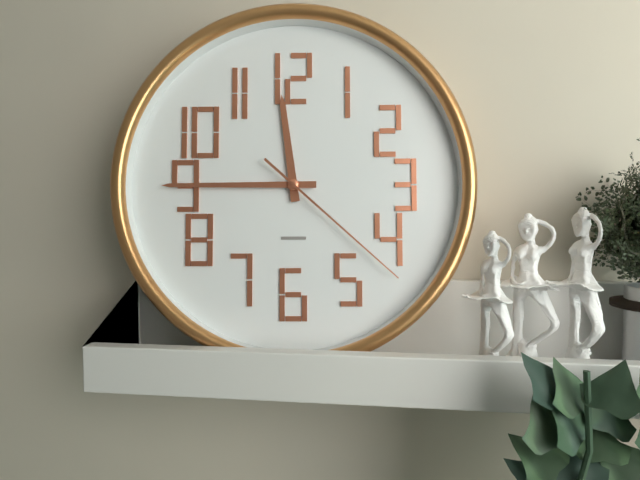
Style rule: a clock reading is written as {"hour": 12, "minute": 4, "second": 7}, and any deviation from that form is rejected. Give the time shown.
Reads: {"hour": 11, "minute": 45, "second": 22}
